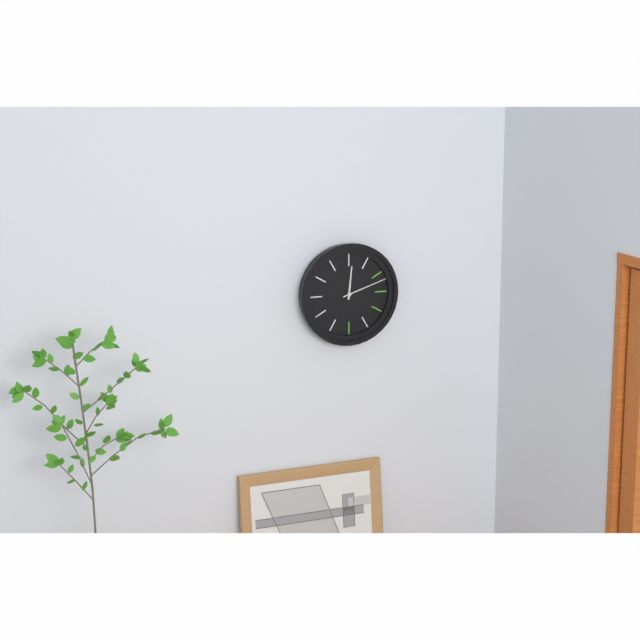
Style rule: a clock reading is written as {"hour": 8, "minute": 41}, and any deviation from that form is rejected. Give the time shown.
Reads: {"hour": 12, "minute": 12}
